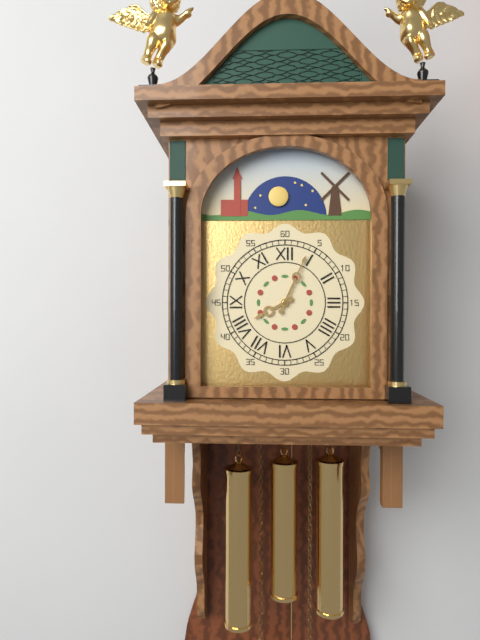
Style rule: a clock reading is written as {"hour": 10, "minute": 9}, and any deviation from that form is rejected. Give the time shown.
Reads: {"hour": 8, "minute": 4}
